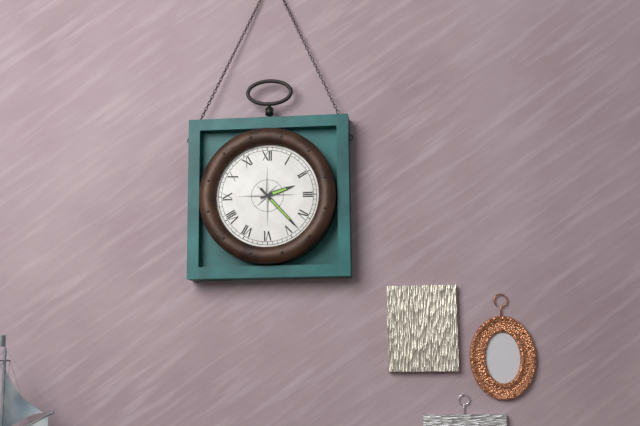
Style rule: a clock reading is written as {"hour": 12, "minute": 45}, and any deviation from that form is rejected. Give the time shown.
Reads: {"hour": 2, "minute": 23}
